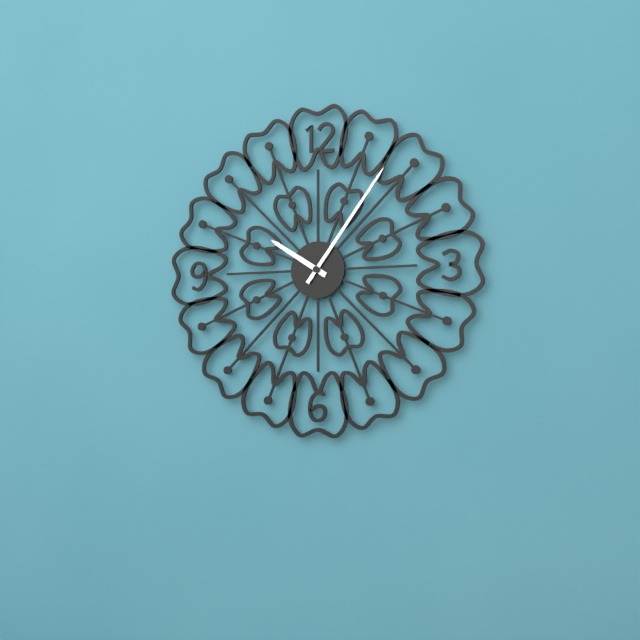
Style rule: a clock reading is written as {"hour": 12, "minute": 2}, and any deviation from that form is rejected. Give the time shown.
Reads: {"hour": 10, "minute": 6}
